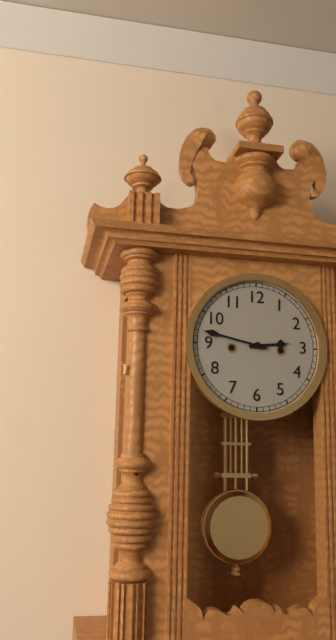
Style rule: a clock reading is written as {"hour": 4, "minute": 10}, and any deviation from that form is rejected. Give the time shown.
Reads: {"hour": 2, "minute": 47}
